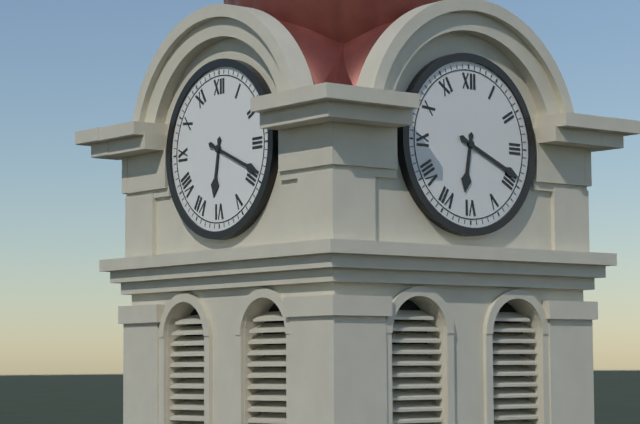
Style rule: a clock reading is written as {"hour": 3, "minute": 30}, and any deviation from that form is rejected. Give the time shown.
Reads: {"hour": 6, "minute": 19}
